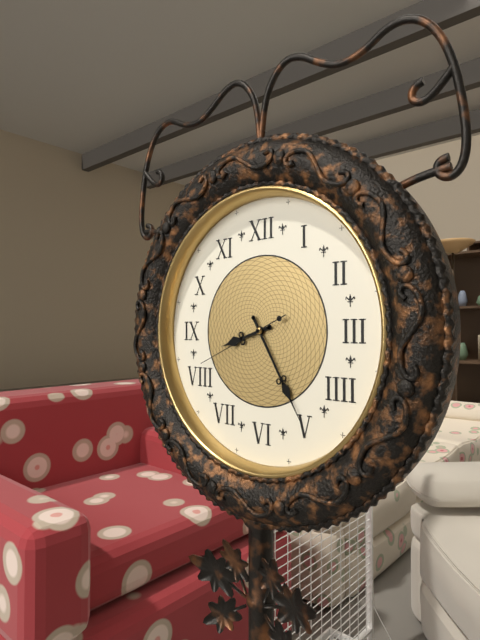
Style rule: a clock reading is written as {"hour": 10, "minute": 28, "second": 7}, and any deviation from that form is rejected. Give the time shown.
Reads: {"hour": 8, "minute": 25, "second": 41}
